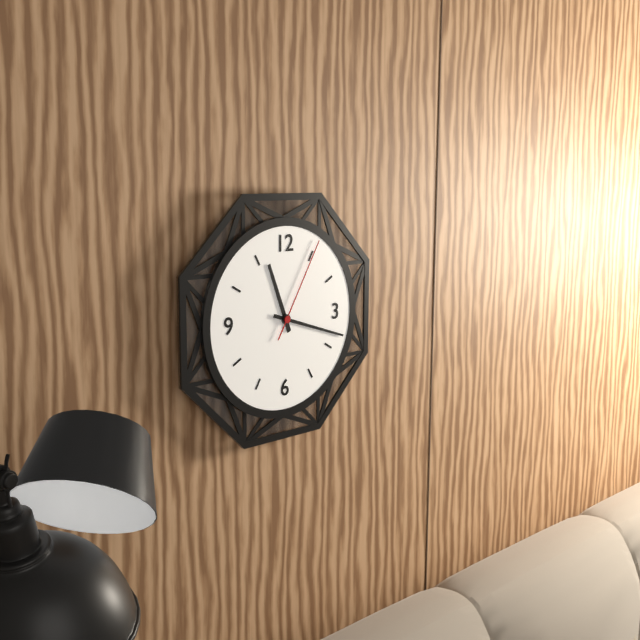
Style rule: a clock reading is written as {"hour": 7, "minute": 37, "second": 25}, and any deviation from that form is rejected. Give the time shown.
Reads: {"hour": 11, "minute": 18, "second": 5}
